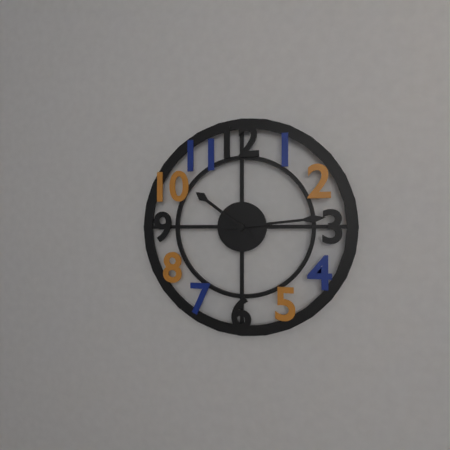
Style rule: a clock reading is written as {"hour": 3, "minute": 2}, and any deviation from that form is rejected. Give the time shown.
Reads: {"hour": 10, "minute": 14}
